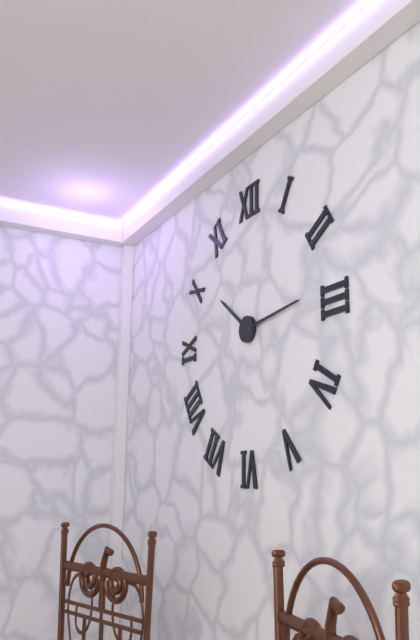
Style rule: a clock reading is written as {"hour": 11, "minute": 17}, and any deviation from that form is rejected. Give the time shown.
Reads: {"hour": 10, "minute": 14}
